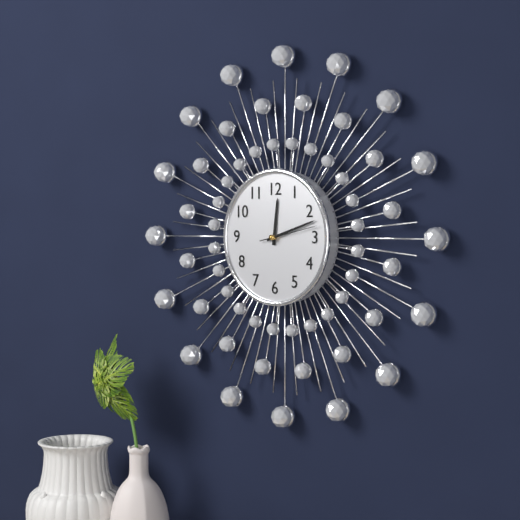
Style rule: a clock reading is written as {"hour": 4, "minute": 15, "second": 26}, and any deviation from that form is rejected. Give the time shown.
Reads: {"hour": 12, "minute": 12, "second": 13}
